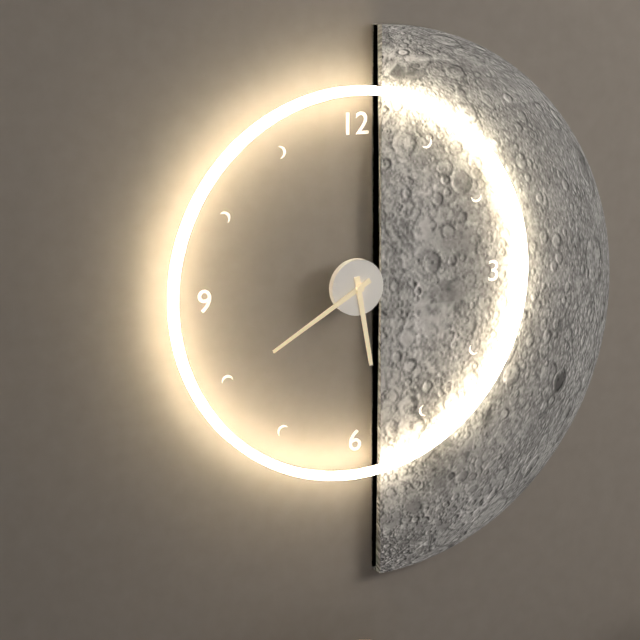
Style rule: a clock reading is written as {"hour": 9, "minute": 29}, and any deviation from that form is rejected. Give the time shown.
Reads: {"hour": 5, "minute": 40}
